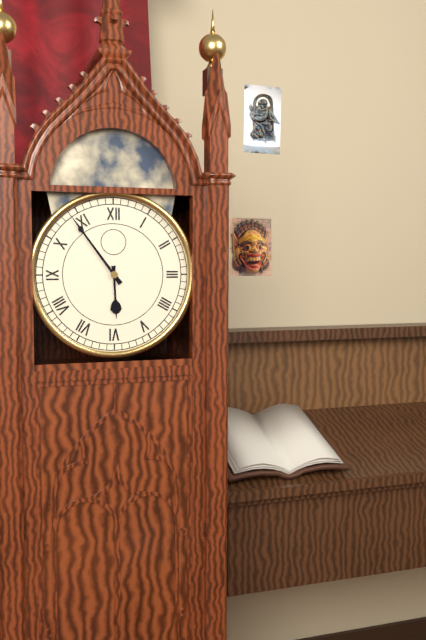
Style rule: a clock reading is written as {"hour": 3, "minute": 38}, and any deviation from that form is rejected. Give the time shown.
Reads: {"hour": 5, "minute": 54}
